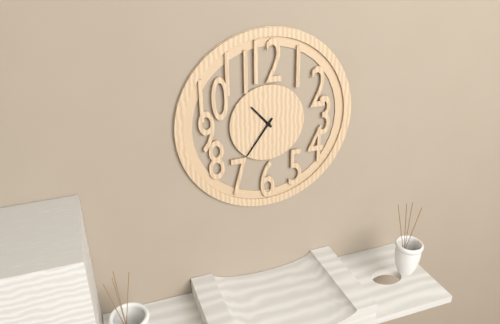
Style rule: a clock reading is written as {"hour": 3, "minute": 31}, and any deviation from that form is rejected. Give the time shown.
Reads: {"hour": 10, "minute": 36}
